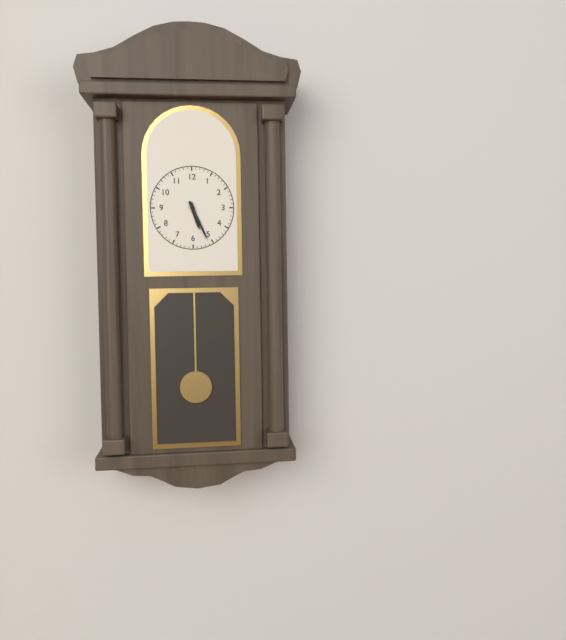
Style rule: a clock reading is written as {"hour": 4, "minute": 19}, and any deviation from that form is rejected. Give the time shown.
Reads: {"hour": 5, "minute": 26}
